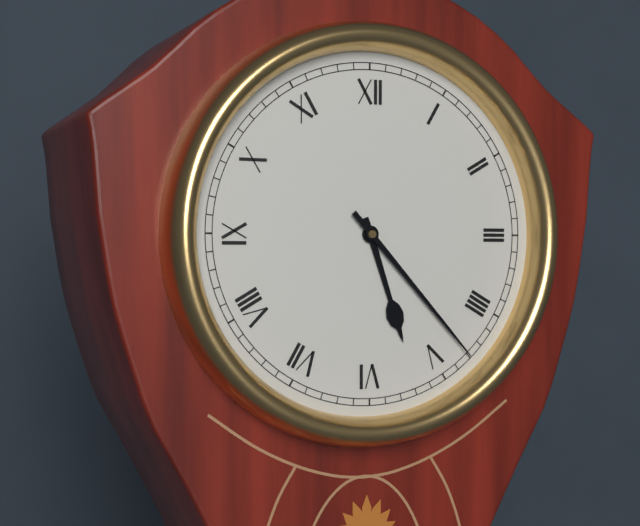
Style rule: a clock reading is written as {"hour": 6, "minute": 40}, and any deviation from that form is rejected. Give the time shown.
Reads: {"hour": 5, "minute": 23}
